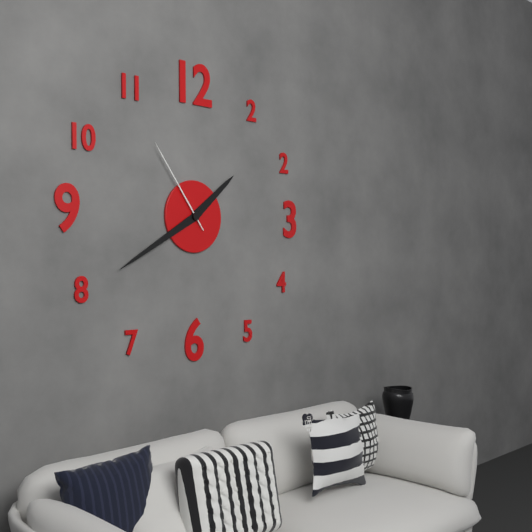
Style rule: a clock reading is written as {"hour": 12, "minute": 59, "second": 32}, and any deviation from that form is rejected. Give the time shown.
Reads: {"hour": 1, "minute": 40, "second": 54}
